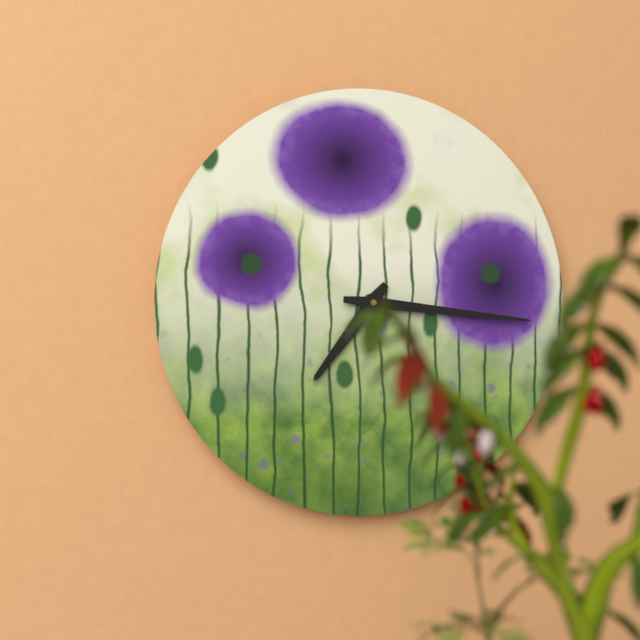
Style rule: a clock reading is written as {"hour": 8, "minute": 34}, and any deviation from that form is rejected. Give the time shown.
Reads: {"hour": 7, "minute": 16}
